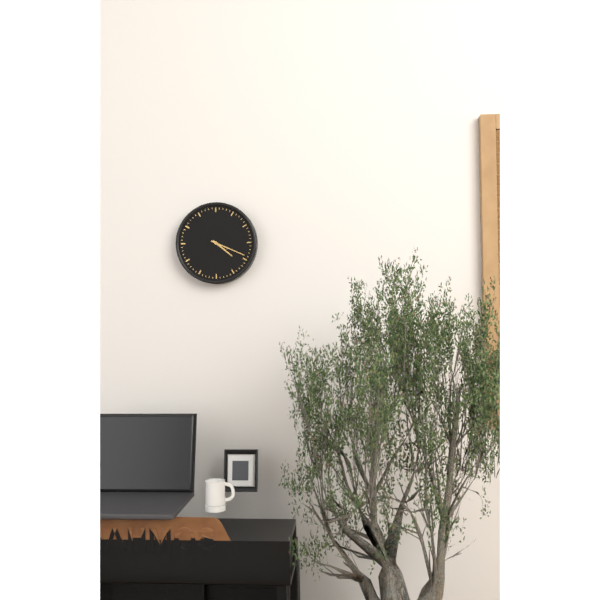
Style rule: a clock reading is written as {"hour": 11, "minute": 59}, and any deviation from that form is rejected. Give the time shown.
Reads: {"hour": 4, "minute": 19}
